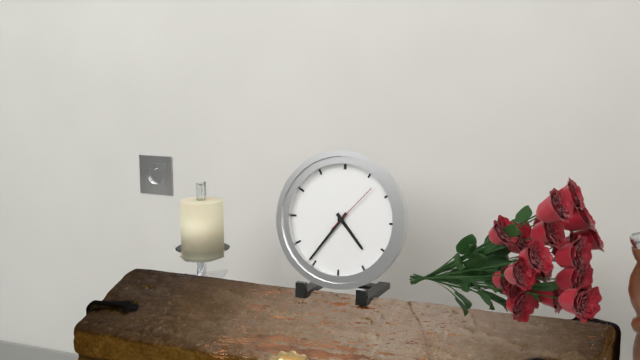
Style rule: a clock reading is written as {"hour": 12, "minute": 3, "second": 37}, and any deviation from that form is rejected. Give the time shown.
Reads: {"hour": 4, "minute": 36, "second": 7}
